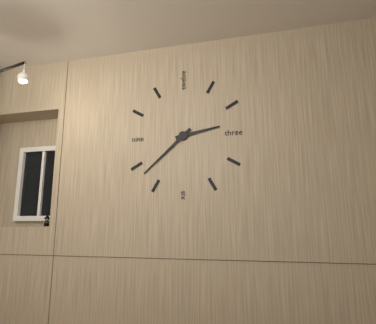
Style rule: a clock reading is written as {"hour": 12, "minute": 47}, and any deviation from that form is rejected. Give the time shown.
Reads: {"hour": 2, "minute": 38}
